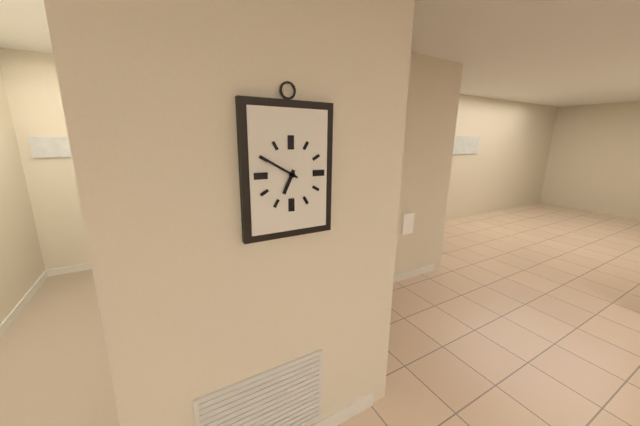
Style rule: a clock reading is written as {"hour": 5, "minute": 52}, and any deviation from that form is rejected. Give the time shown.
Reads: {"hour": 6, "minute": 50}
